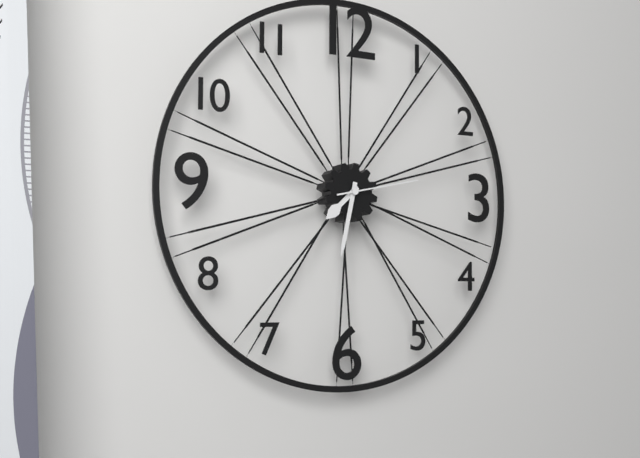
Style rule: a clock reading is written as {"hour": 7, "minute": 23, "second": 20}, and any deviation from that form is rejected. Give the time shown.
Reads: {"hour": 7, "minute": 32, "second": 13}
